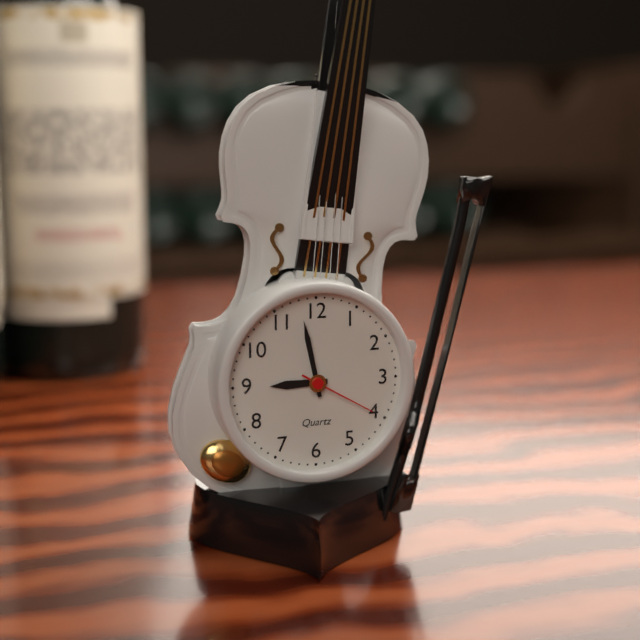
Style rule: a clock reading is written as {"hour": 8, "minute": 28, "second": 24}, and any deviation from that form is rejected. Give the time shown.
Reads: {"hour": 8, "minute": 58, "second": 20}
